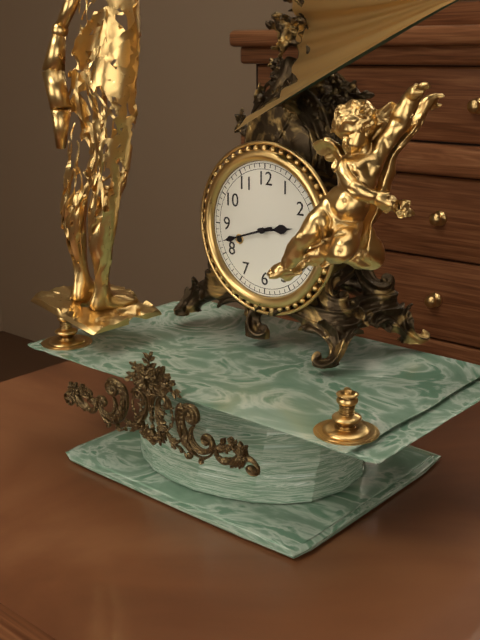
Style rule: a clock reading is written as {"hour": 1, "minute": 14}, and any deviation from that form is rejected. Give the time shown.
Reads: {"hour": 2, "minute": 42}
